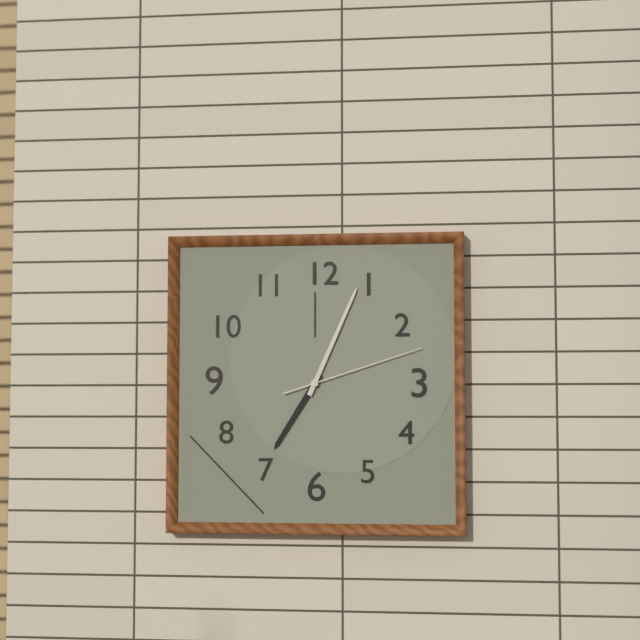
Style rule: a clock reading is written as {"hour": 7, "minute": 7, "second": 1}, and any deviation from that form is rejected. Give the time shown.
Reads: {"hour": 7, "minute": 4, "second": 12}
